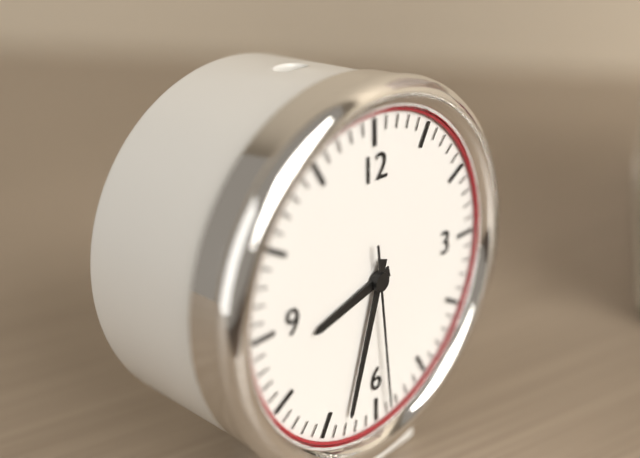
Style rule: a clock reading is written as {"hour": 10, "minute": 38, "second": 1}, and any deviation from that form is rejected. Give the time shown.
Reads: {"hour": 8, "minute": 33, "second": 29}
